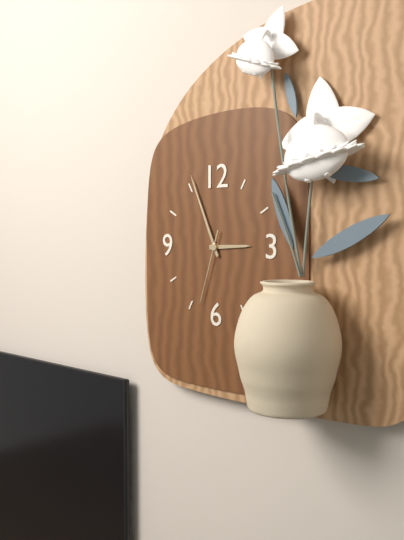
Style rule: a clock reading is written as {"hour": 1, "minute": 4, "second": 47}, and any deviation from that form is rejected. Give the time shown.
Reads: {"hour": 2, "minute": 56, "second": 33}
